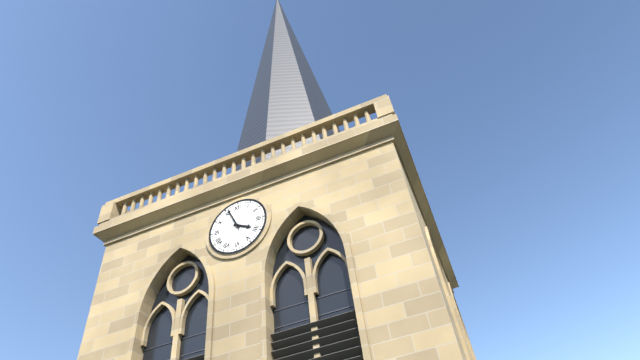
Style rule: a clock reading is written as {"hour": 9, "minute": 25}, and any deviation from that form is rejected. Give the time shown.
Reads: {"hour": 3, "minute": 56}
